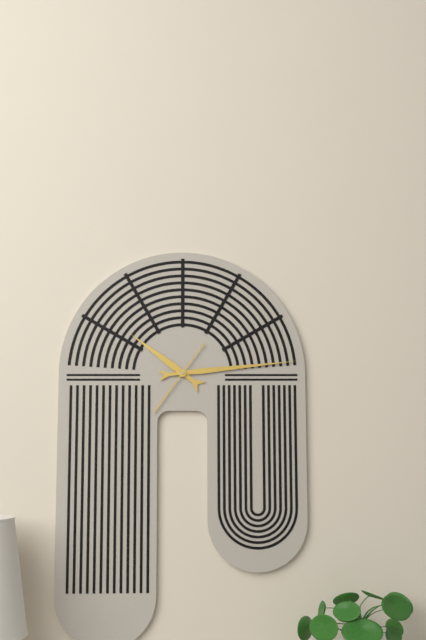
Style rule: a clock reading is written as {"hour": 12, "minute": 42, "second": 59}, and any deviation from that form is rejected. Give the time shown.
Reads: {"hour": 10, "minute": 14, "second": 36}
